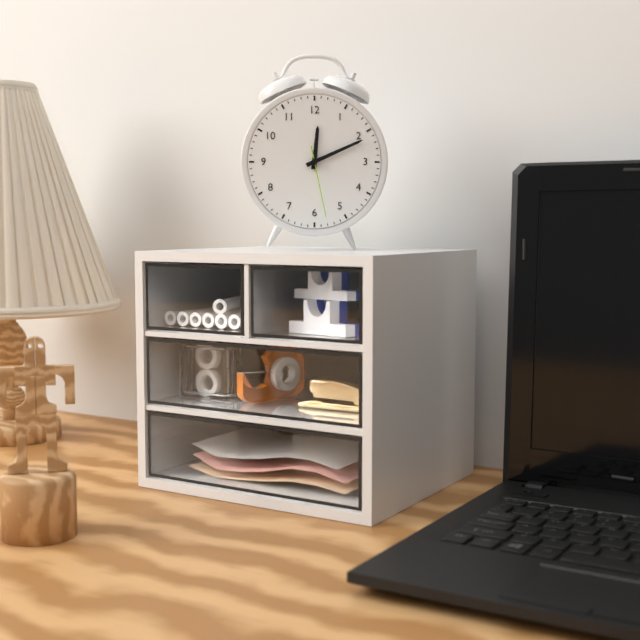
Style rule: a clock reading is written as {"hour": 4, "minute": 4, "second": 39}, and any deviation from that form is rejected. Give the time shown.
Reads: {"hour": 12, "minute": 11, "second": 28}
